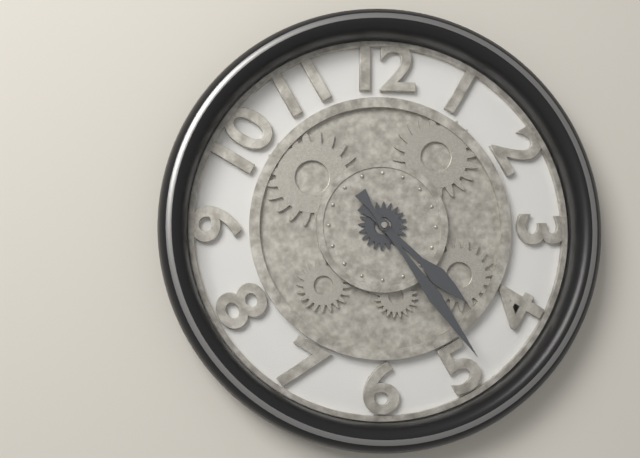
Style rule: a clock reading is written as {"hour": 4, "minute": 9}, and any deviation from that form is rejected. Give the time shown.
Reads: {"hour": 4, "minute": 24}
